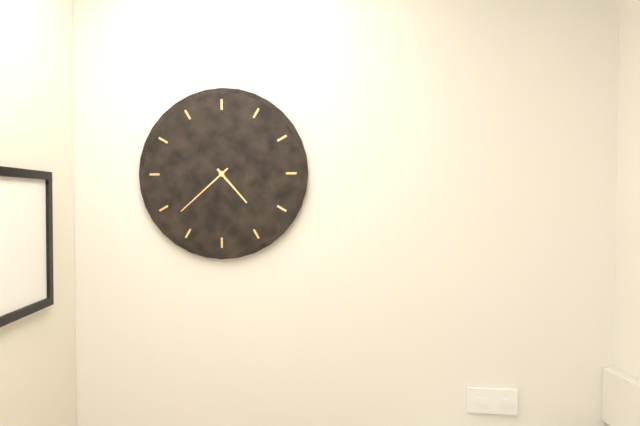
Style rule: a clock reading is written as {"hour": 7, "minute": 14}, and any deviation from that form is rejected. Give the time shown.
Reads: {"hour": 4, "minute": 38}
